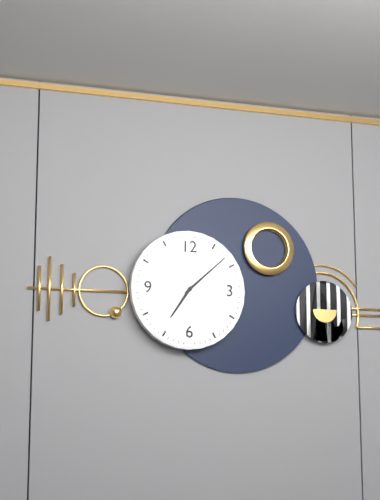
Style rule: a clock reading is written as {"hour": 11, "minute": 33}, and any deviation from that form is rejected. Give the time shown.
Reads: {"hour": 7, "minute": 8}
